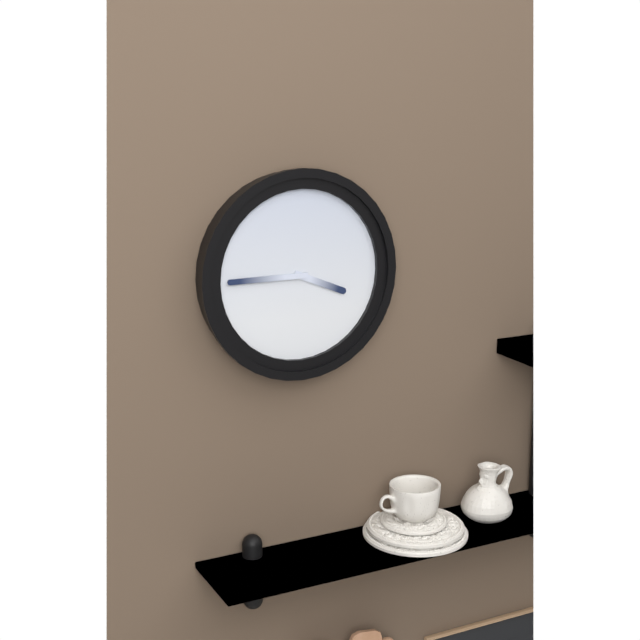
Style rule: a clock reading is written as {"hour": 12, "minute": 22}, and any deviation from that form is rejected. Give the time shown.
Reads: {"hour": 3, "minute": 45}
